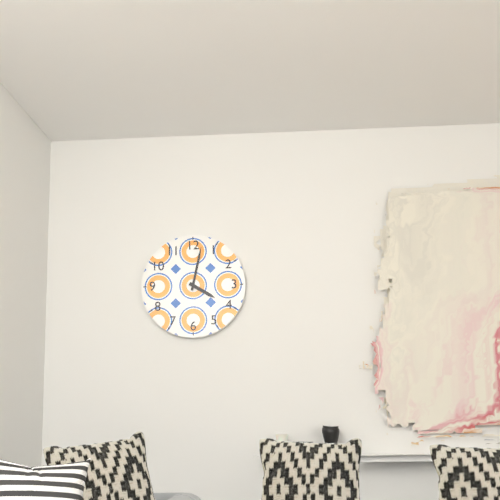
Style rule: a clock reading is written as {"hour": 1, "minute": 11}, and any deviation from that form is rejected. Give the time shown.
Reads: {"hour": 4, "minute": 2}
